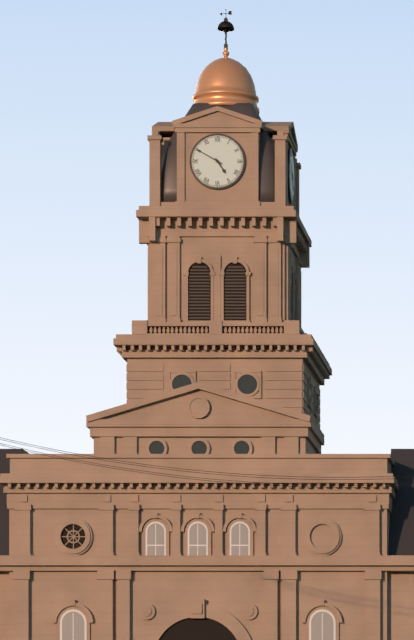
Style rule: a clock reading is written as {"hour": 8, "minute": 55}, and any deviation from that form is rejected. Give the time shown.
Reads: {"hour": 4, "minute": 50}
